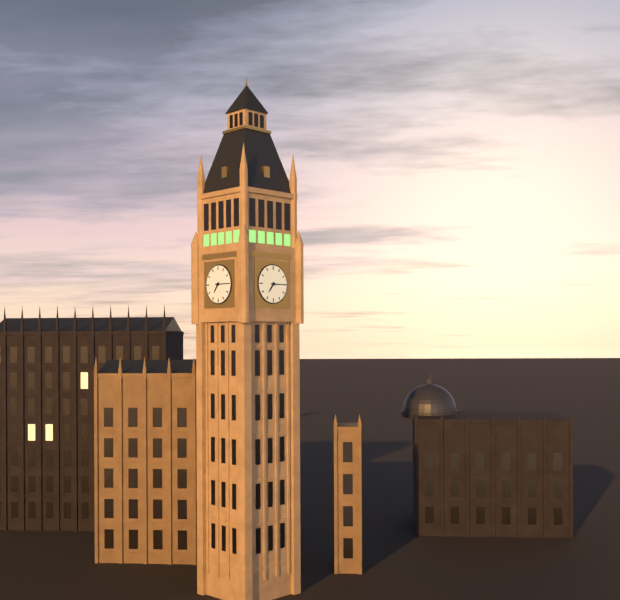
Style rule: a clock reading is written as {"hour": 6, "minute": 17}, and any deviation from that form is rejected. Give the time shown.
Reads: {"hour": 7, "minute": 15}
